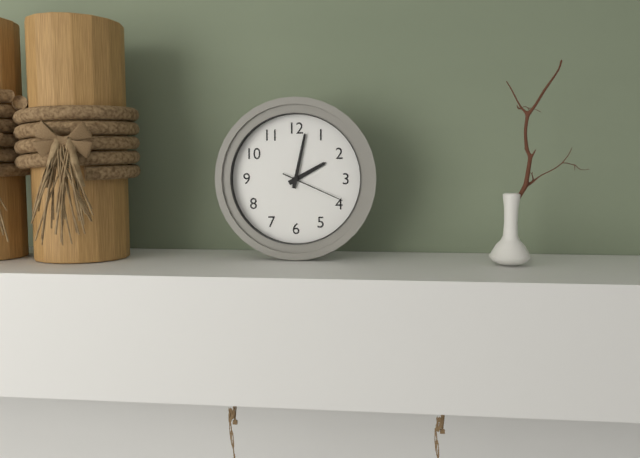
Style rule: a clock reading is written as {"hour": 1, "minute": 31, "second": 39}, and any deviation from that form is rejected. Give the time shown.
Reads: {"hour": 2, "minute": 2, "second": 19}
